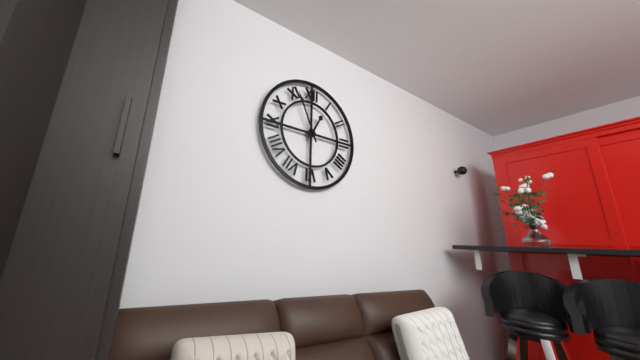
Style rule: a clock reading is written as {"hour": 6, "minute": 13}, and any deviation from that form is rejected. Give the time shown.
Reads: {"hour": 12, "minute": 56}
